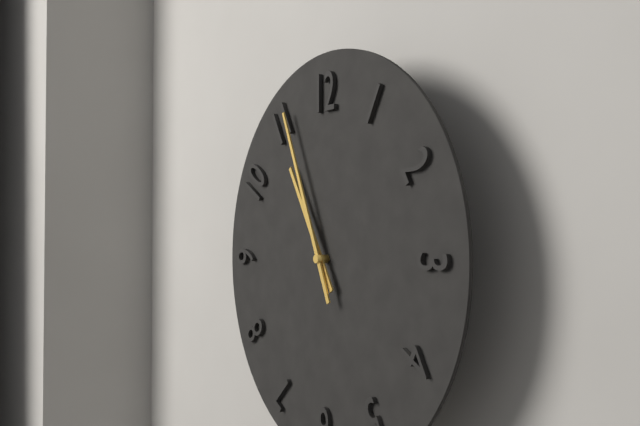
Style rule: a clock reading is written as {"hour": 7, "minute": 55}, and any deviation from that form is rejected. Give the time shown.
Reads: {"hour": 10, "minute": 56}
